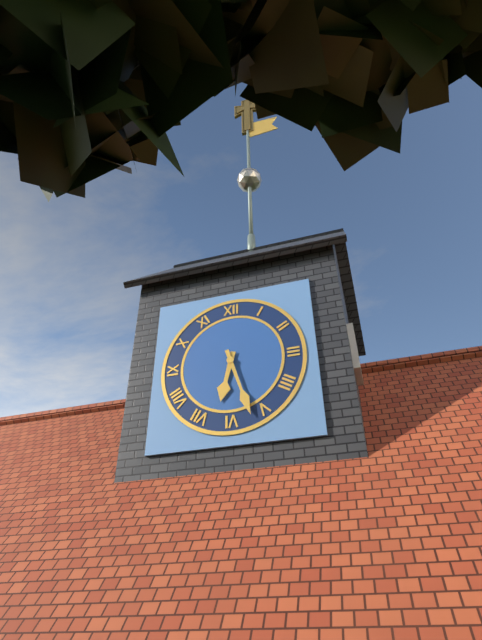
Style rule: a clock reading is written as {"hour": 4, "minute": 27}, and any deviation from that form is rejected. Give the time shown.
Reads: {"hour": 6, "minute": 27}
